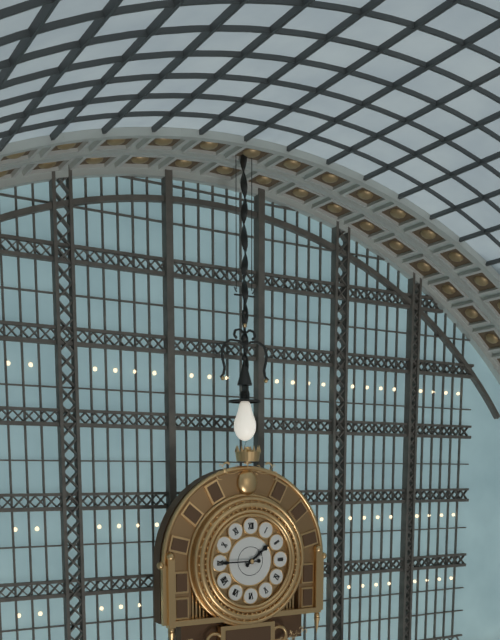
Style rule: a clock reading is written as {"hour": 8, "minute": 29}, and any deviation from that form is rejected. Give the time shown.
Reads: {"hour": 1, "minute": 45}
